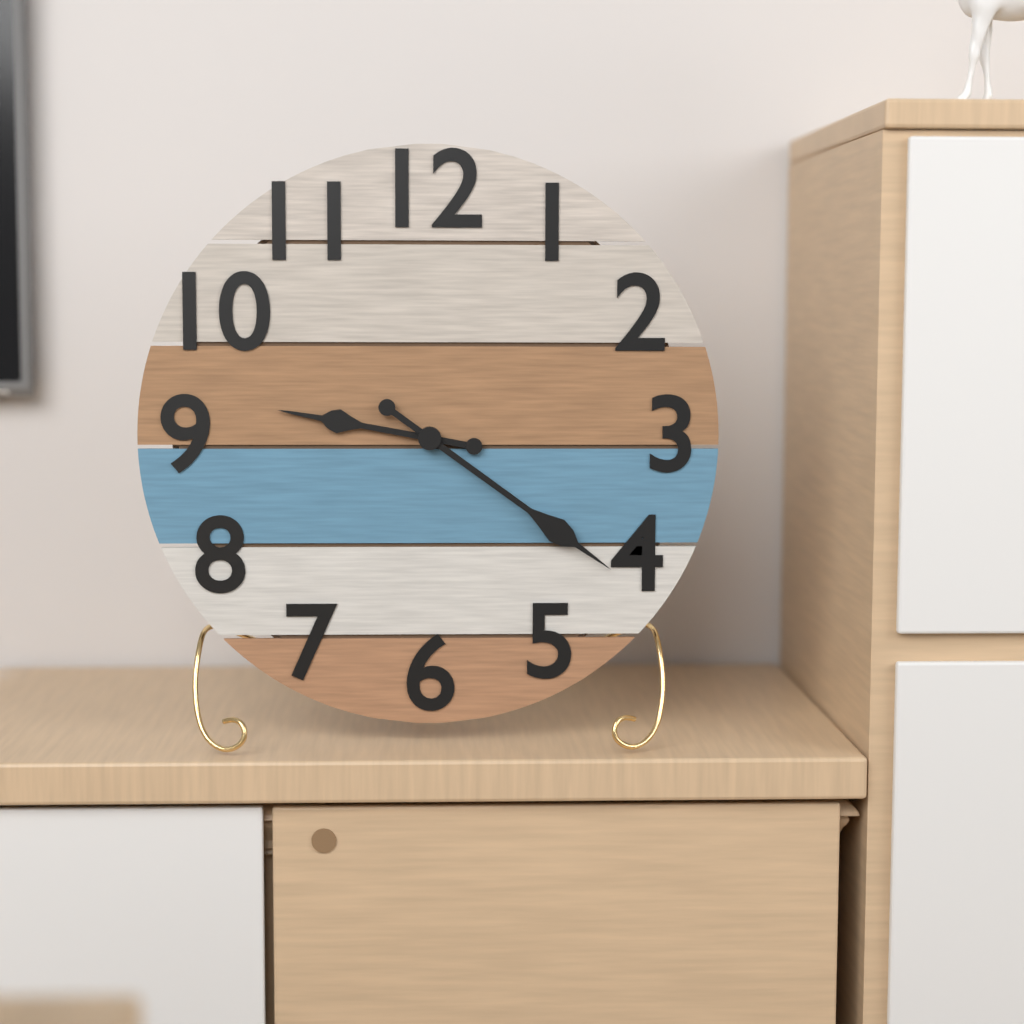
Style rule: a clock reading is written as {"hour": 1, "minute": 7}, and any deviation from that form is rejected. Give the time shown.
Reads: {"hour": 9, "minute": 21}
